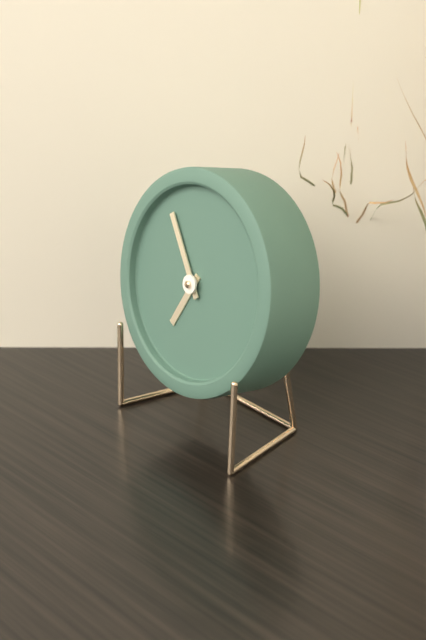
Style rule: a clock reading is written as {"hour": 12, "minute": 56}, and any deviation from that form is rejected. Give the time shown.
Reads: {"hour": 6, "minute": 54}
